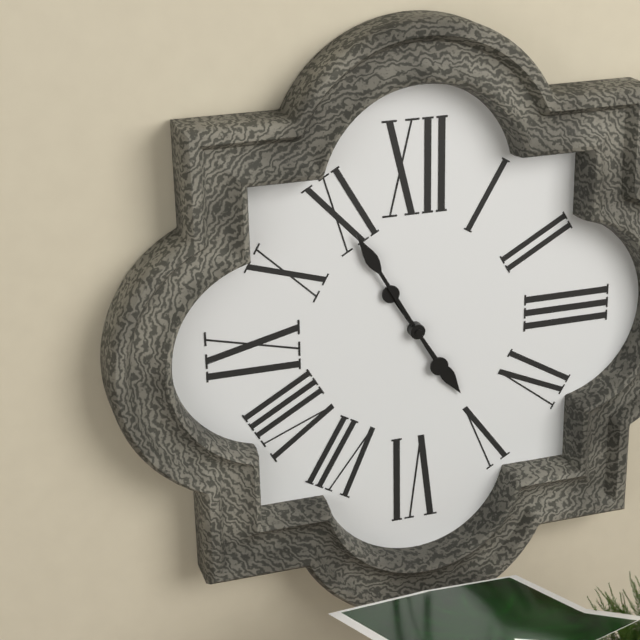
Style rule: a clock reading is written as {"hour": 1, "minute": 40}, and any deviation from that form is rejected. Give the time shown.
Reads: {"hour": 4, "minute": 55}
